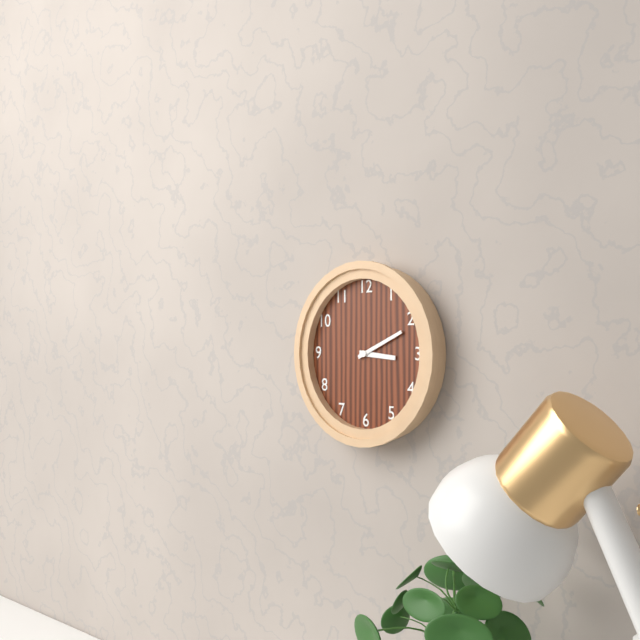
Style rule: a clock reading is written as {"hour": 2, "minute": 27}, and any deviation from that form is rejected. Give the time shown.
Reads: {"hour": 3, "minute": 11}
